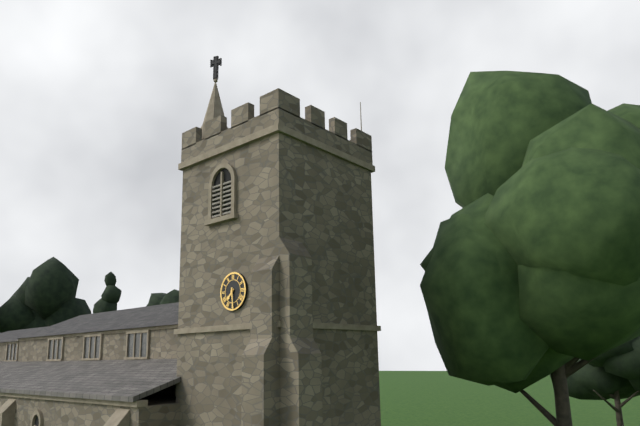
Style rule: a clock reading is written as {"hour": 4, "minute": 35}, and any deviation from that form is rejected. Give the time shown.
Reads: {"hour": 7, "minute": 29}
